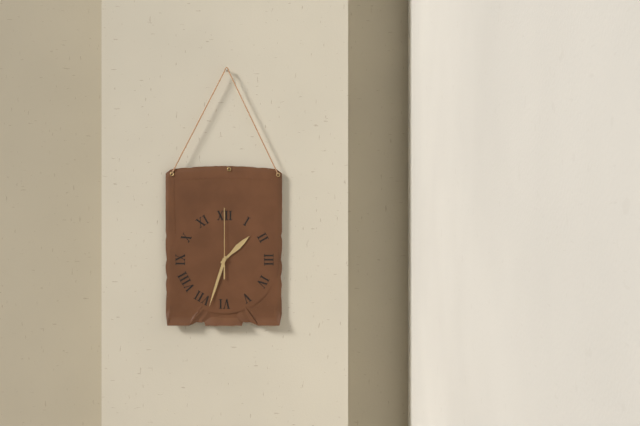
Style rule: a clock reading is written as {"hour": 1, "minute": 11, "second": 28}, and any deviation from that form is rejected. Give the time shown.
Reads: {"hour": 1, "minute": 33, "second": 0}
